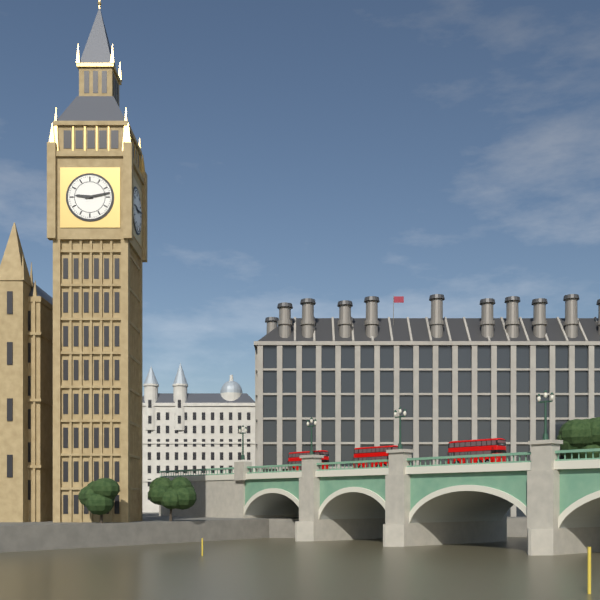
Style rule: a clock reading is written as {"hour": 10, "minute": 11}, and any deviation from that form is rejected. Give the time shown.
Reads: {"hour": 9, "minute": 13}
